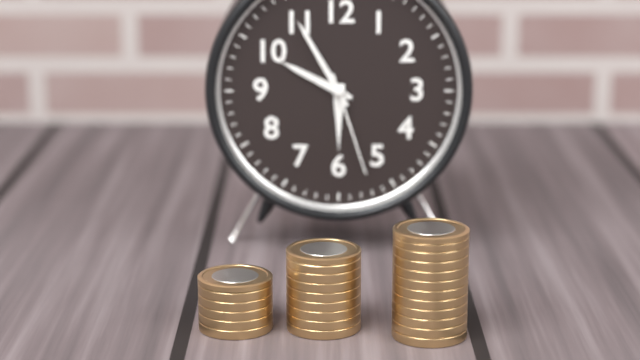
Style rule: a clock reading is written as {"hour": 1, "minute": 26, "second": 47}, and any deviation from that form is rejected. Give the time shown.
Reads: {"hour": 9, "minute": 55, "second": 27}
